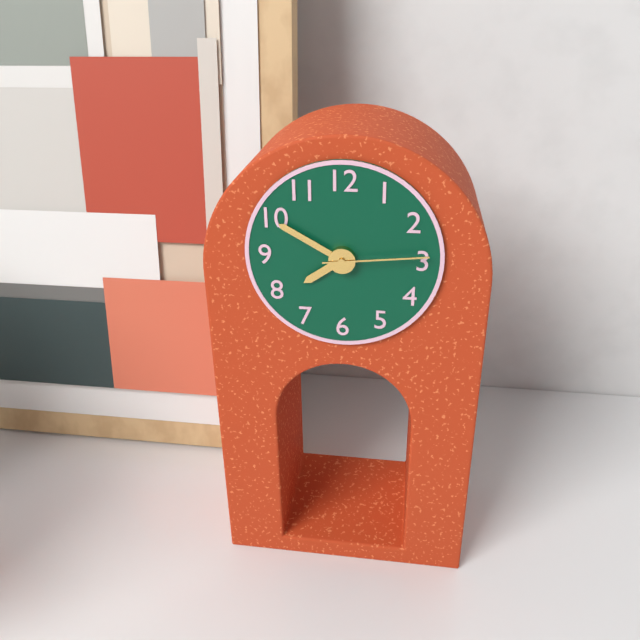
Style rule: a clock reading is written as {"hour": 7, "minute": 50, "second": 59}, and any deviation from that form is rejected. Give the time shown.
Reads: {"hour": 7, "minute": 50, "second": 14}
